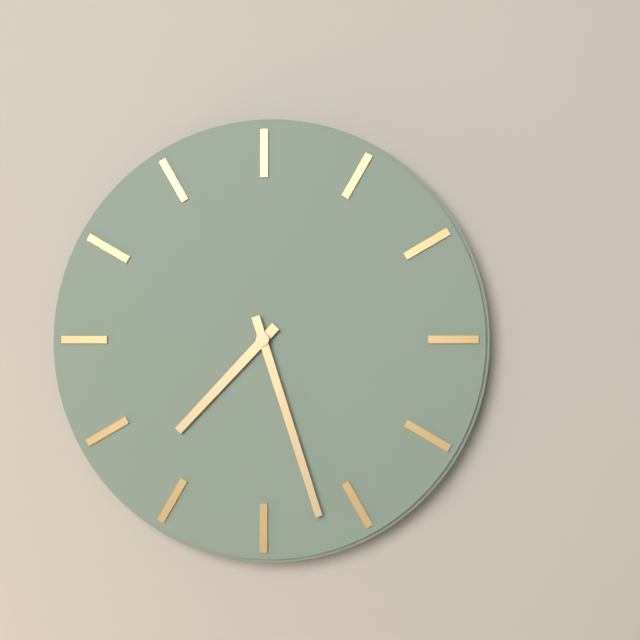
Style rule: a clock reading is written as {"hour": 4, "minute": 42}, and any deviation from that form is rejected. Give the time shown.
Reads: {"hour": 7, "minute": 27}
